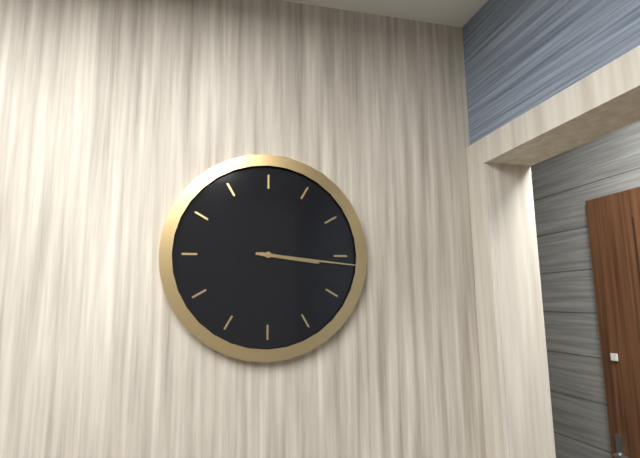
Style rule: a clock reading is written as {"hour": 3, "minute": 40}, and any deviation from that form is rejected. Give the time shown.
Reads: {"hour": 3, "minute": 16}
